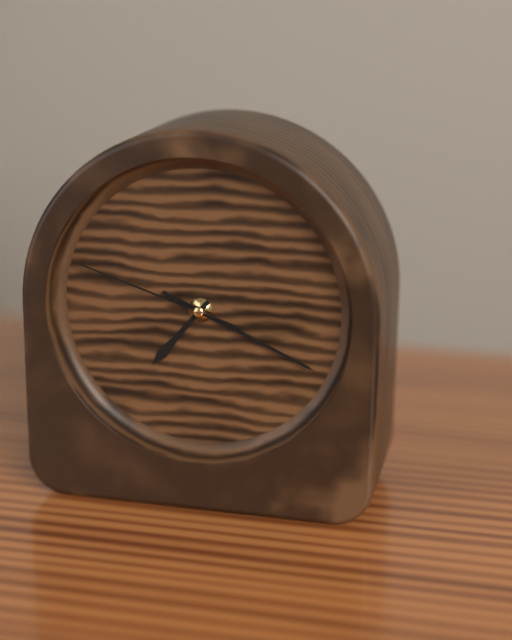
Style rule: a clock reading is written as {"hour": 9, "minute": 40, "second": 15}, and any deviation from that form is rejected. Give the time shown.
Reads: {"hour": 7, "minute": 19, "second": 48}
